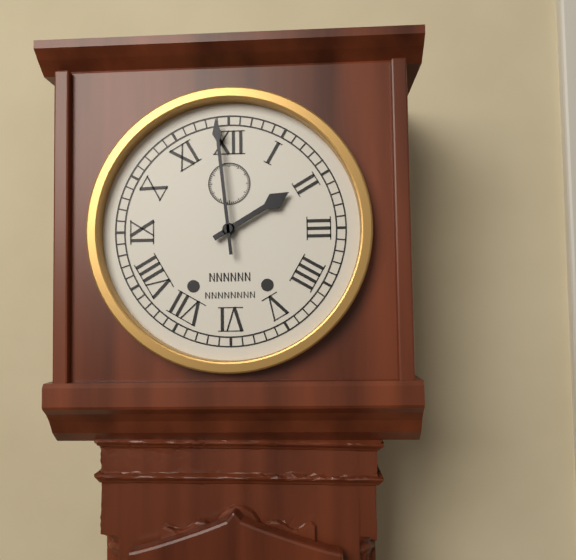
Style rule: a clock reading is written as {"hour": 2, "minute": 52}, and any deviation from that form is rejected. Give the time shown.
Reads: {"hour": 1, "minute": 59}
